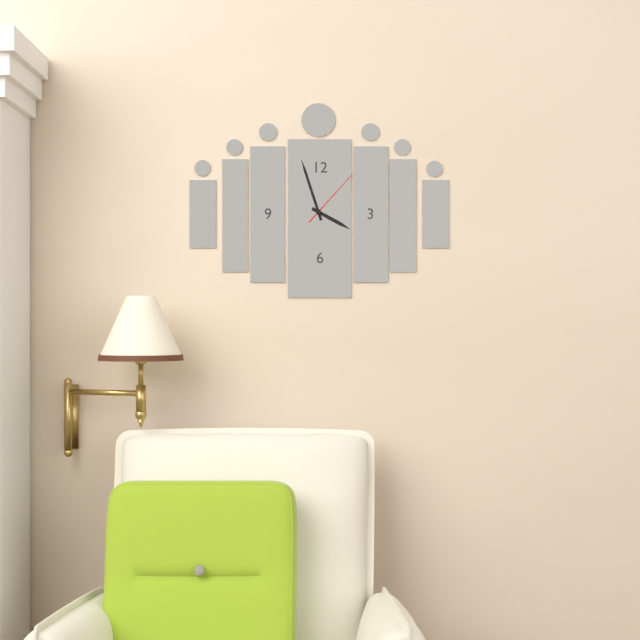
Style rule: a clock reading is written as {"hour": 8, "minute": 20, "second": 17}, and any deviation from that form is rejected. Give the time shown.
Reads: {"hour": 3, "minute": 57, "second": 7}
